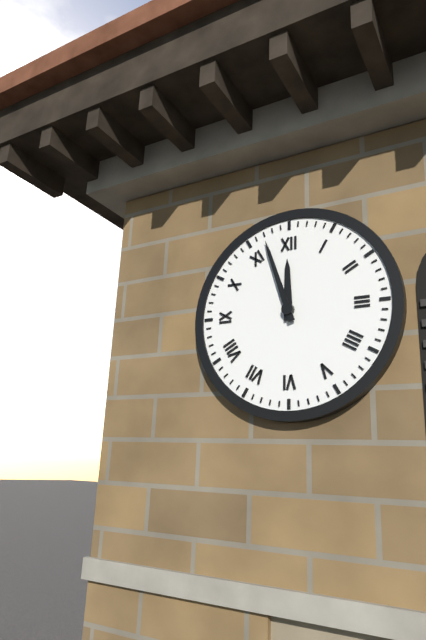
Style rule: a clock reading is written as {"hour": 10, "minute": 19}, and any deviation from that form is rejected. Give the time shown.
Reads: {"hour": 11, "minute": 57}
